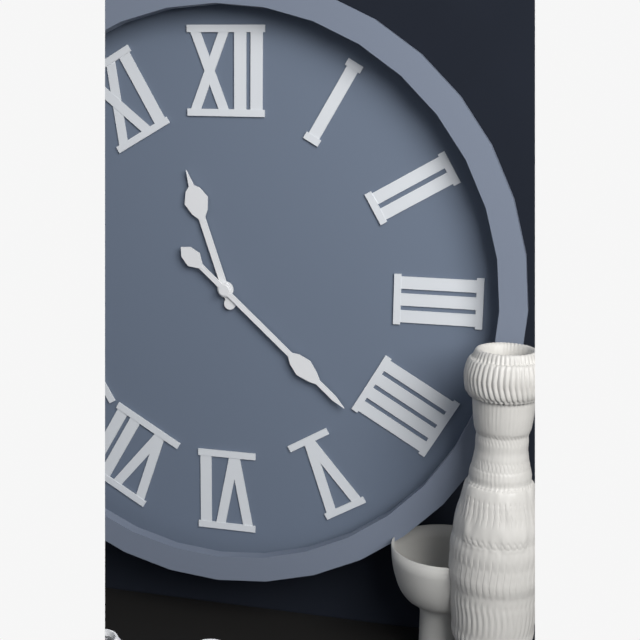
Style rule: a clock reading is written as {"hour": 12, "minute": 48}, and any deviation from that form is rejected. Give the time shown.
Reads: {"hour": 11, "minute": 22}
